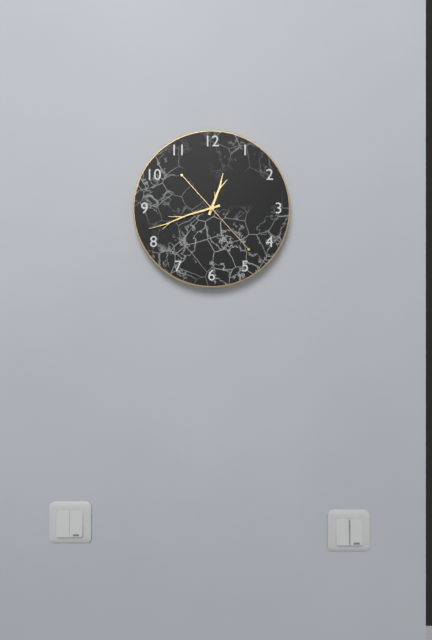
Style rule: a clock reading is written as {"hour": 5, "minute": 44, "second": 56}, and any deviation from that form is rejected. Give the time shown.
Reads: {"hour": 12, "minute": 42, "second": 23}
